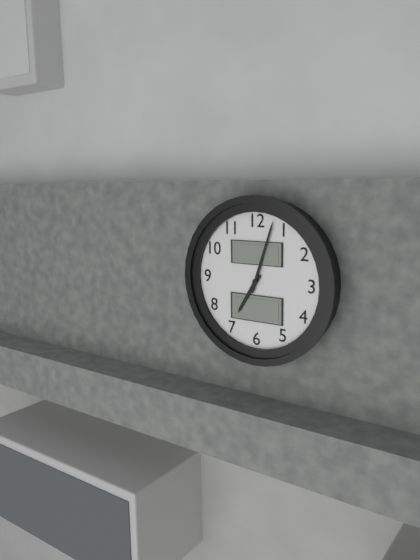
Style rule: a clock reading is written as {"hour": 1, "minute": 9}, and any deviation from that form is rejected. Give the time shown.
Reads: {"hour": 7, "minute": 3}
